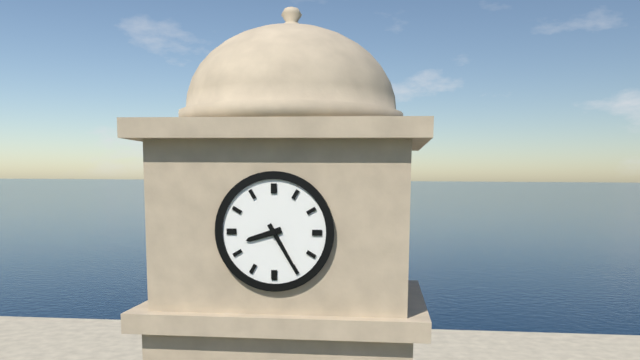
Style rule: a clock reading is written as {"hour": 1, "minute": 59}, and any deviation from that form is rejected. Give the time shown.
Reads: {"hour": 8, "minute": 25}
